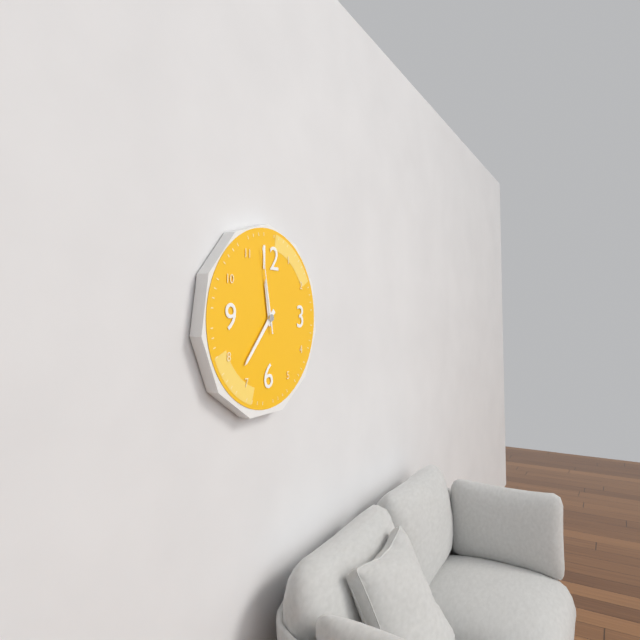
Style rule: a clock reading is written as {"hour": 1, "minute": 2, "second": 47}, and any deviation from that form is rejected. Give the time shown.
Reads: {"hour": 11, "minute": 37, "second": 58}
